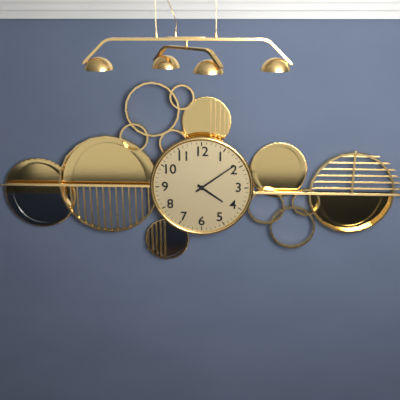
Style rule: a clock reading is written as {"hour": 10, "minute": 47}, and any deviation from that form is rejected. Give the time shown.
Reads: {"hour": 4, "minute": 9}
